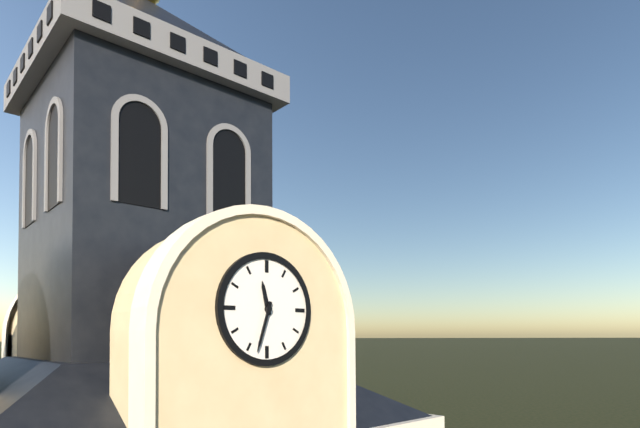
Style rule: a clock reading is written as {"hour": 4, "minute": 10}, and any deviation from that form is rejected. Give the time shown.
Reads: {"hour": 11, "minute": 33}
